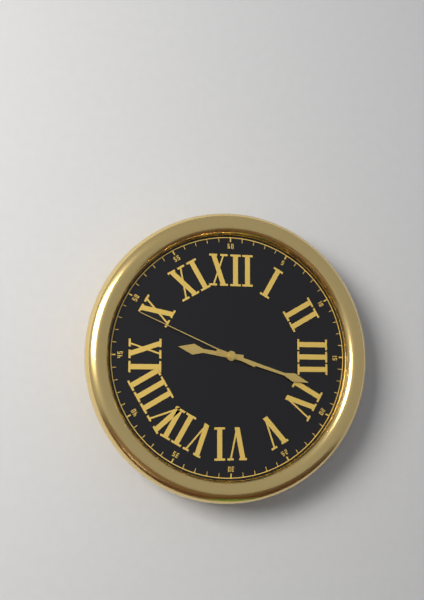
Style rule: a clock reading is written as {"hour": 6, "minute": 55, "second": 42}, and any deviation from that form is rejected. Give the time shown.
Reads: {"hour": 9, "minute": 18, "second": 49}
